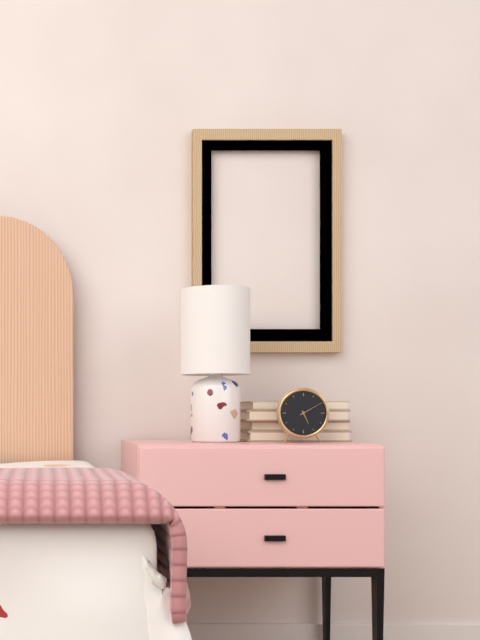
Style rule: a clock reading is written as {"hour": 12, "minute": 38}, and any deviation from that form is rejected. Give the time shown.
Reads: {"hour": 5, "minute": 10}
